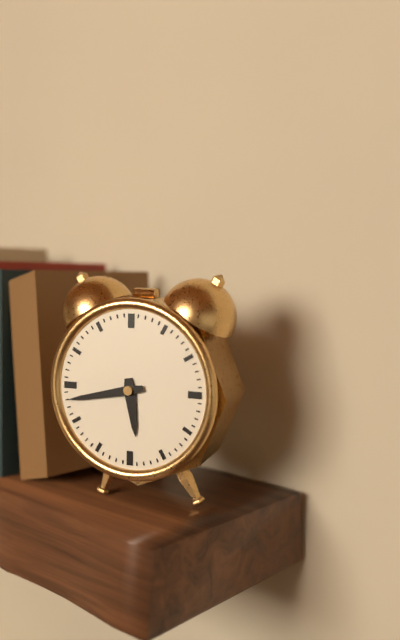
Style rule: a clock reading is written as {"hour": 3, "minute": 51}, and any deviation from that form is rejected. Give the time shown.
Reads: {"hour": 5, "minute": 43}
